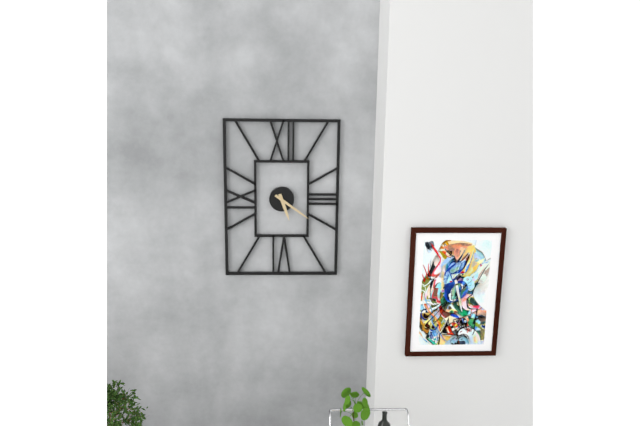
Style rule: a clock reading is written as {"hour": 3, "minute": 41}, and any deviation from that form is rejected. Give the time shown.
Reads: {"hour": 5, "minute": 21}
